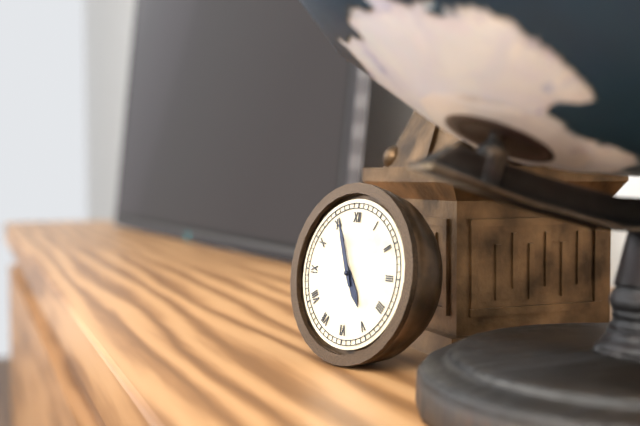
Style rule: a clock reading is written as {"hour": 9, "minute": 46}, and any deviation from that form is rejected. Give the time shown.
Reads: {"hour": 4, "minute": 56}
